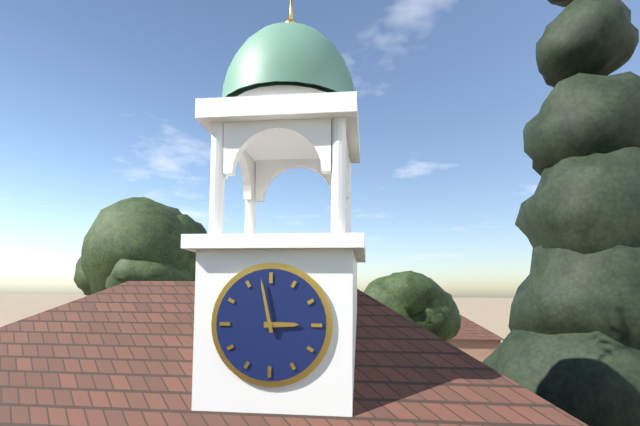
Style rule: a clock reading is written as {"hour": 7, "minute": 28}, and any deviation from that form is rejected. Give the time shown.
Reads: {"hour": 2, "minute": 58}
